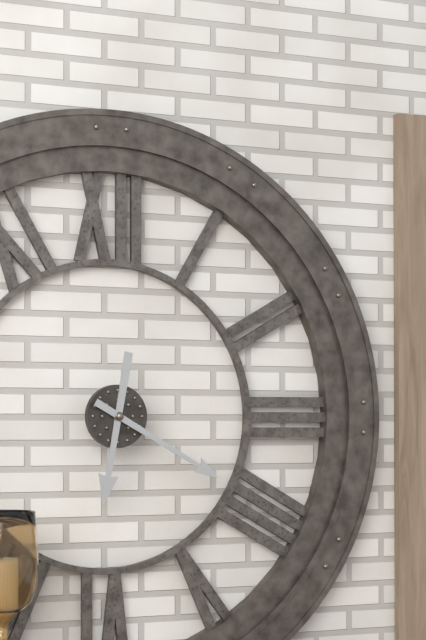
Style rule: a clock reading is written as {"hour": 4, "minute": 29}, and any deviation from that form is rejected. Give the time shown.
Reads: {"hour": 6, "minute": 20}
